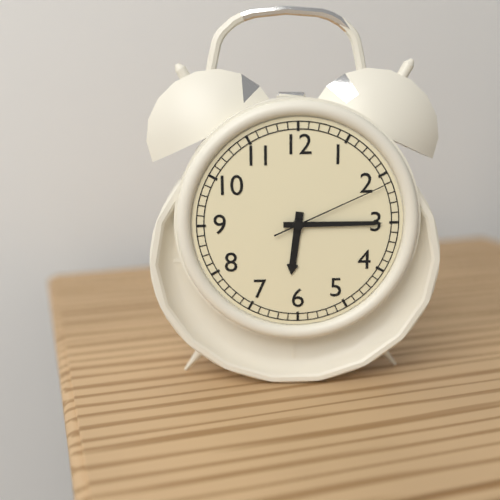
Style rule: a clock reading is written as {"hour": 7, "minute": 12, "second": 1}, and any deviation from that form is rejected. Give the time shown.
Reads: {"hour": 6, "minute": 15, "second": 11}
